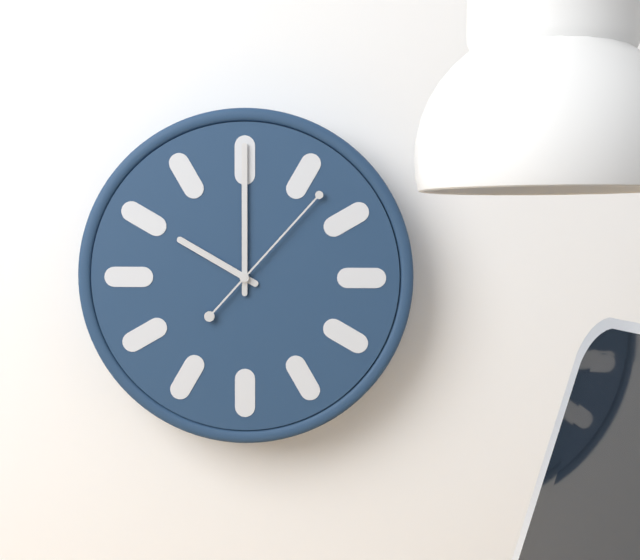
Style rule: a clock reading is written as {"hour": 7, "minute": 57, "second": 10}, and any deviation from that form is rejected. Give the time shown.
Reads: {"hour": 10, "minute": 0, "second": 7}
